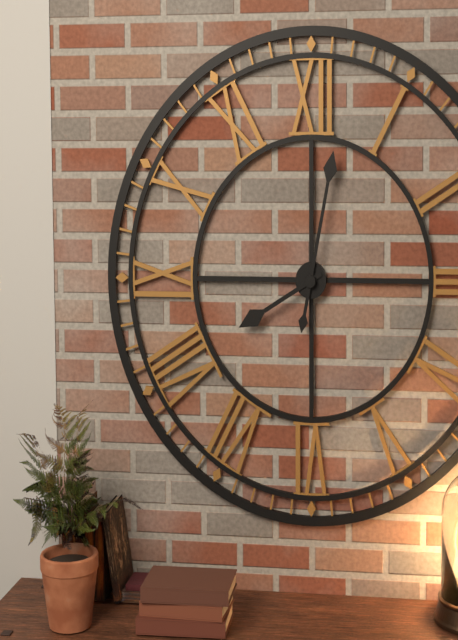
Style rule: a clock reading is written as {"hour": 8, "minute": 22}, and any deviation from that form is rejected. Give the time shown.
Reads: {"hour": 8, "minute": 2}
